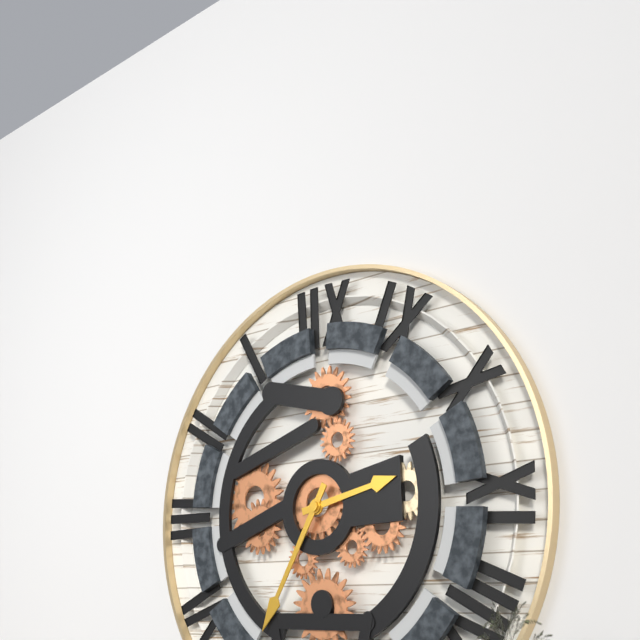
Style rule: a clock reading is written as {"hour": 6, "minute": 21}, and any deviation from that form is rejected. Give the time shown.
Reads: {"hour": 2, "minute": 35}
